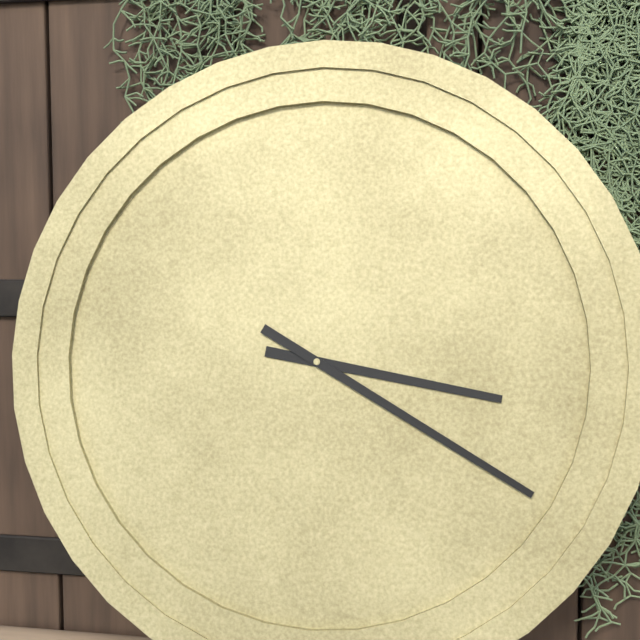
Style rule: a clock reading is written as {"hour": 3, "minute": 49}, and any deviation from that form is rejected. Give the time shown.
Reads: {"hour": 3, "minute": 20}
